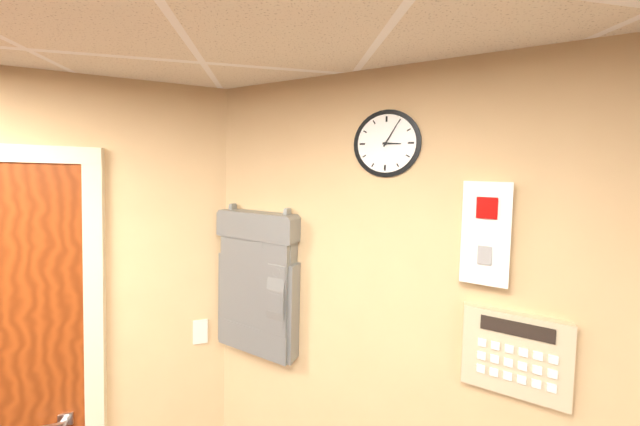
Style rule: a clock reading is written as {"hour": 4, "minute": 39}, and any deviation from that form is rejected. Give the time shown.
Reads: {"hour": 3, "minute": 5}
